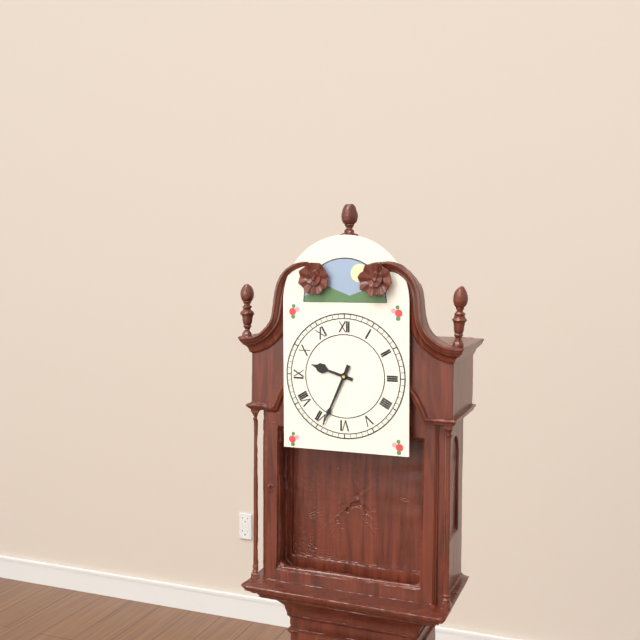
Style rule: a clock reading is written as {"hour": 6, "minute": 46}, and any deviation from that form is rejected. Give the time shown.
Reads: {"hour": 9, "minute": 34}
